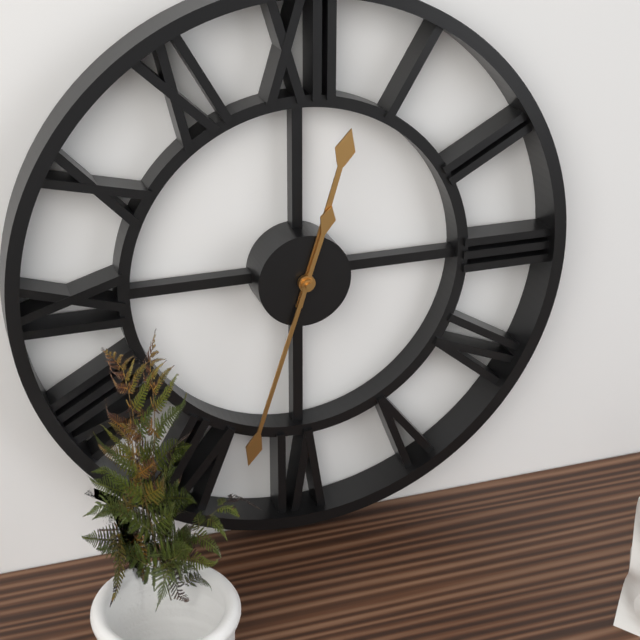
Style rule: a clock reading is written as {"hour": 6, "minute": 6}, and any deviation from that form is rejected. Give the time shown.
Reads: {"hour": 12, "minute": 33}
